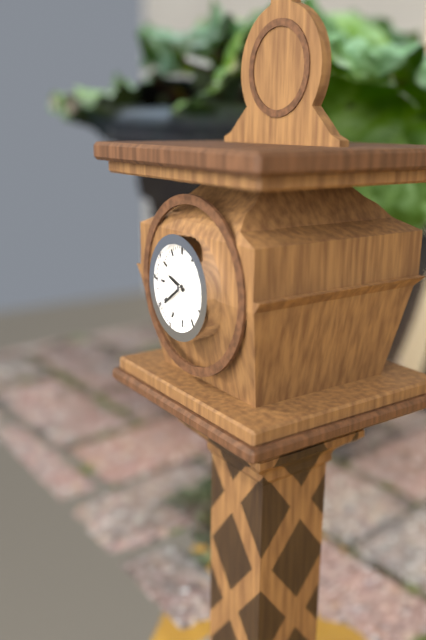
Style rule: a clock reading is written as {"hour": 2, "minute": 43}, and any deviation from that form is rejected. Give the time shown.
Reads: {"hour": 9, "minute": 39}
